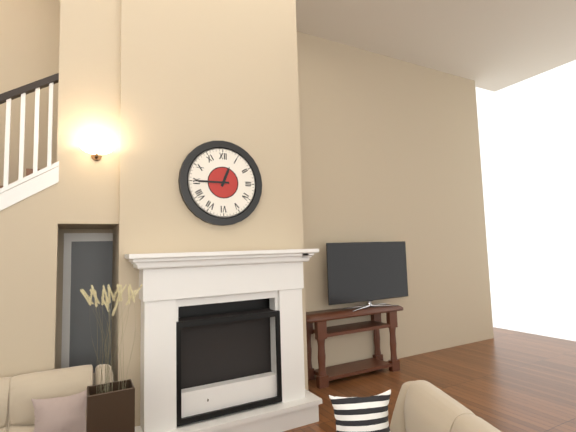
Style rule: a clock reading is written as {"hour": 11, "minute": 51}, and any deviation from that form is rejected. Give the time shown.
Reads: {"hour": 12, "minute": 45}
